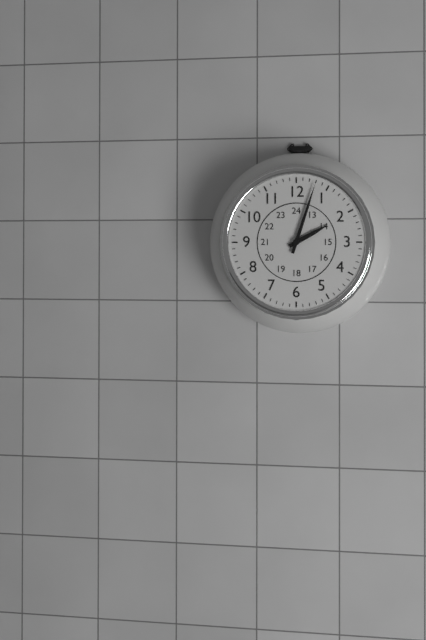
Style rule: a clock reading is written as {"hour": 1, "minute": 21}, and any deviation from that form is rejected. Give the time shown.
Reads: {"hour": 2, "minute": 3}
